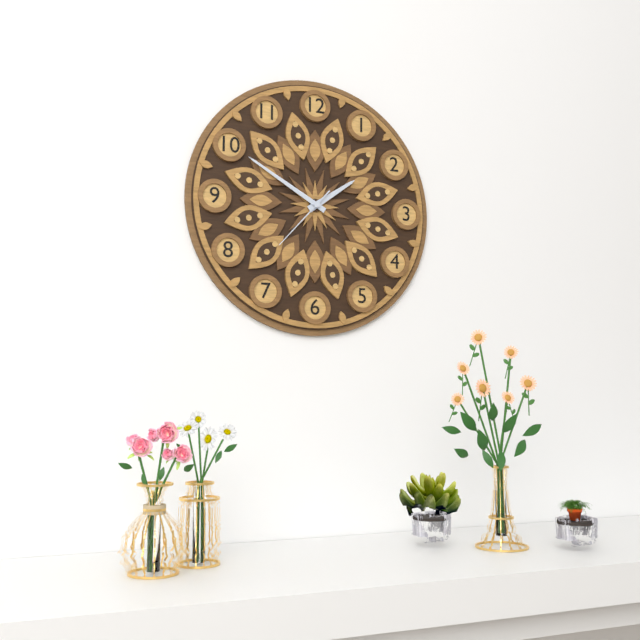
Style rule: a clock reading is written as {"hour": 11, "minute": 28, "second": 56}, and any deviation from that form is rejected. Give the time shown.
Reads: {"hour": 1, "minute": 50, "second": 37}
